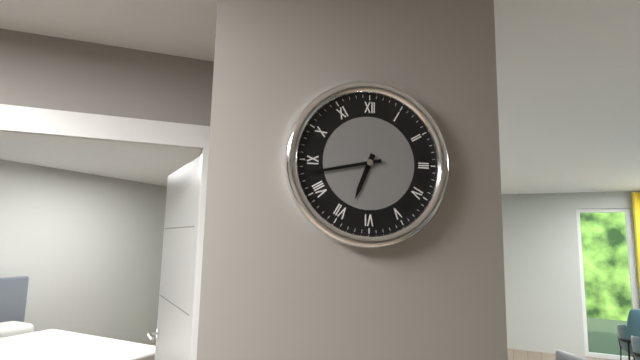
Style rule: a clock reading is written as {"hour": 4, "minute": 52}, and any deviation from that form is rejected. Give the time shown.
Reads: {"hour": 6, "minute": 43}
